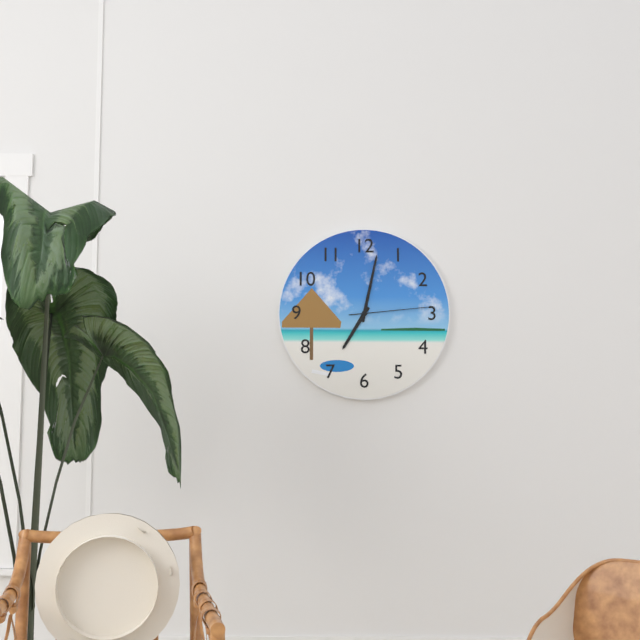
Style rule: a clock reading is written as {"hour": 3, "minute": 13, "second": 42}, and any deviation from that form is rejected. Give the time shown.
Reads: {"hour": 7, "minute": 2, "second": 14}
